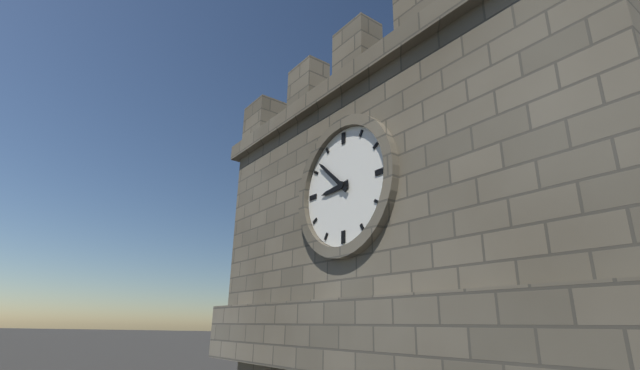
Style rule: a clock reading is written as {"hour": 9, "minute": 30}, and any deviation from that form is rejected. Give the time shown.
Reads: {"hour": 8, "minute": 52}
